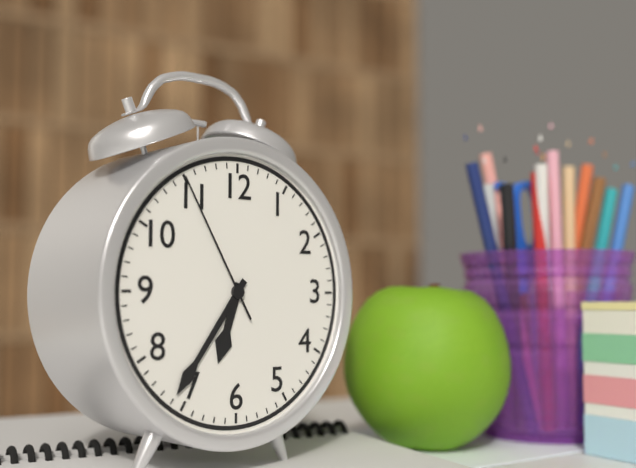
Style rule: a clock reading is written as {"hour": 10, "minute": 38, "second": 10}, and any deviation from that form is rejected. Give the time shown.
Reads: {"hour": 6, "minute": 36, "second": 55}
